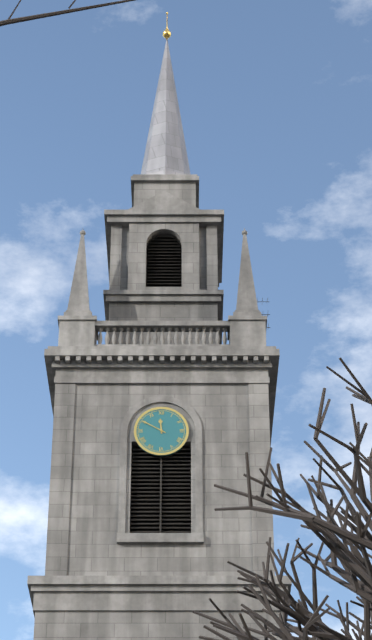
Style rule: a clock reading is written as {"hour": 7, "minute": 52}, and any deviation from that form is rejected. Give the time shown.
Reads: {"hour": 11, "minute": 50}
